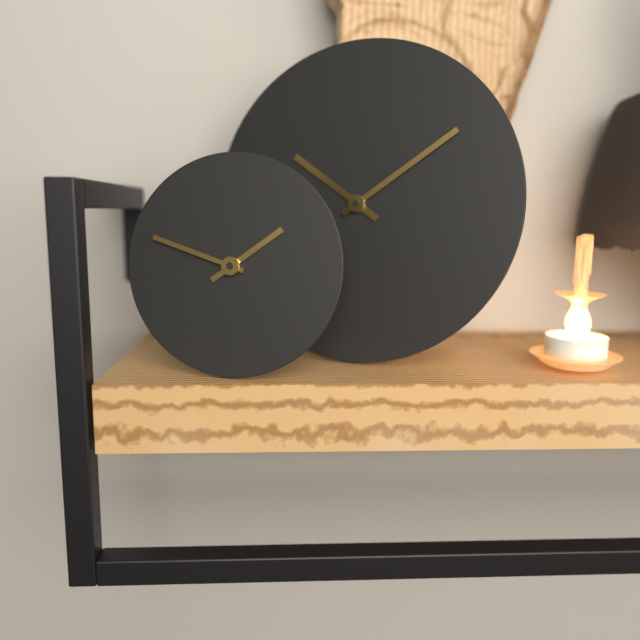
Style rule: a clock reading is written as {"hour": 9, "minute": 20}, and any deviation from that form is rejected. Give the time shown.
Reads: {"hour": 1, "minute": 48}
